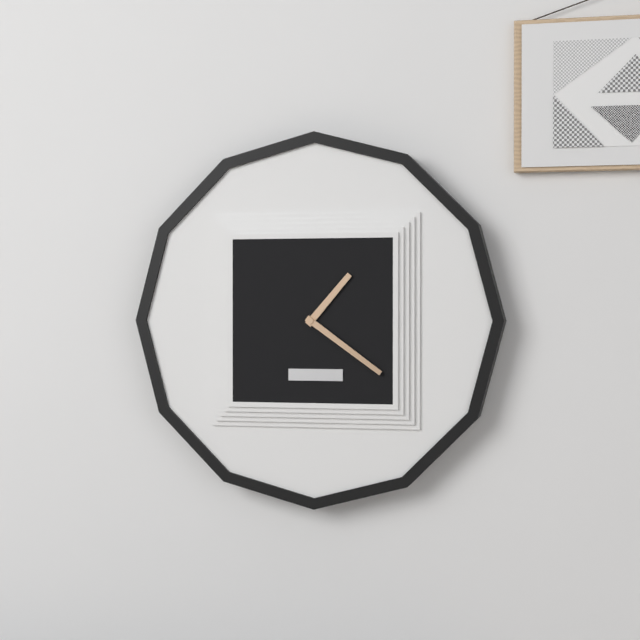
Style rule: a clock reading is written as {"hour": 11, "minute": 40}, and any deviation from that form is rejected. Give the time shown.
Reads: {"hour": 1, "minute": 21}
